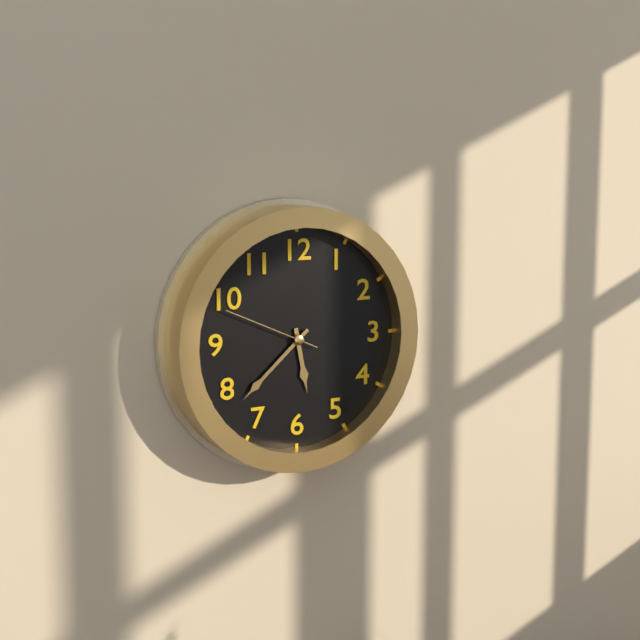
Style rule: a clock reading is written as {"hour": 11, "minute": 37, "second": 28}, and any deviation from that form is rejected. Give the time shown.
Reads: {"hour": 5, "minute": 38, "second": 49}
